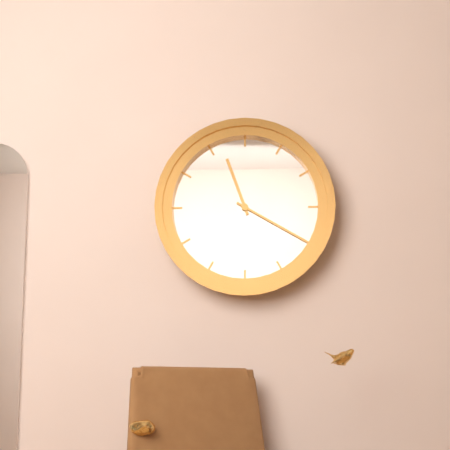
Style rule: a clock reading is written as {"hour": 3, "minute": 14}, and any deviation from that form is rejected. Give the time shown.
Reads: {"hour": 11, "minute": 20}
